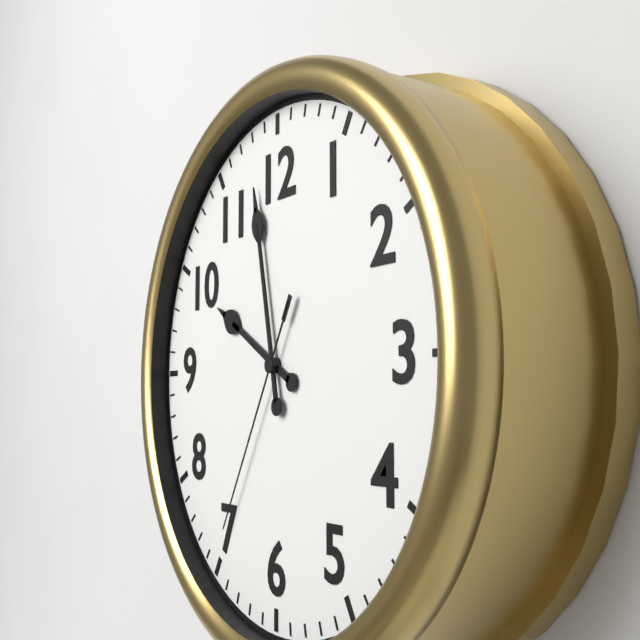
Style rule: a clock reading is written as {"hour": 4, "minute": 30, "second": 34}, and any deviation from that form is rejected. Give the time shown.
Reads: {"hour": 9, "minute": 58, "second": 35}
